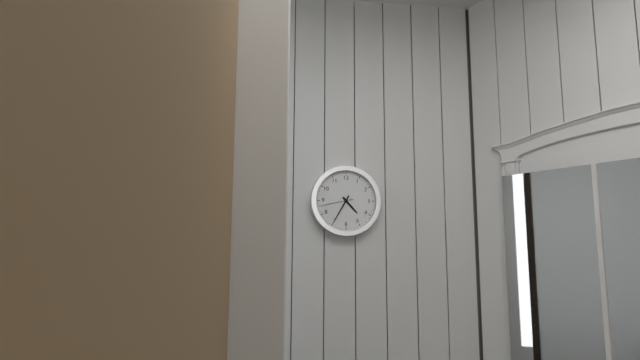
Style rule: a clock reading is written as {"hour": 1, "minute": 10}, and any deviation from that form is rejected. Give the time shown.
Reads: {"hour": 4, "minute": 35}
